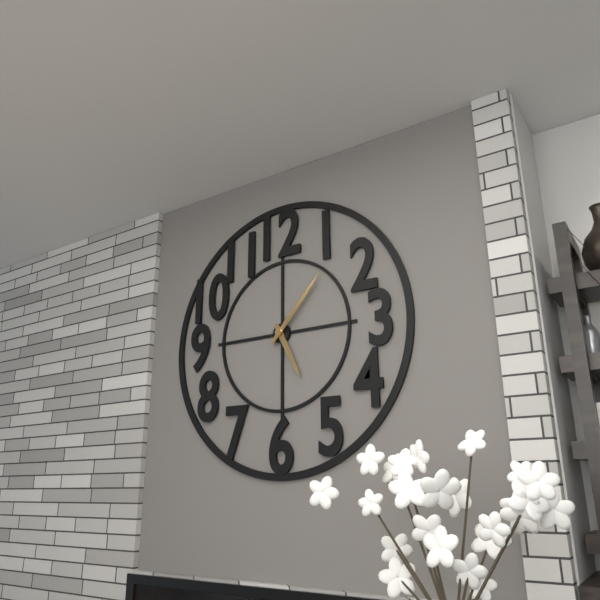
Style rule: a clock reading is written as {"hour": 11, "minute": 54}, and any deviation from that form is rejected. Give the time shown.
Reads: {"hour": 5, "minute": 7}
